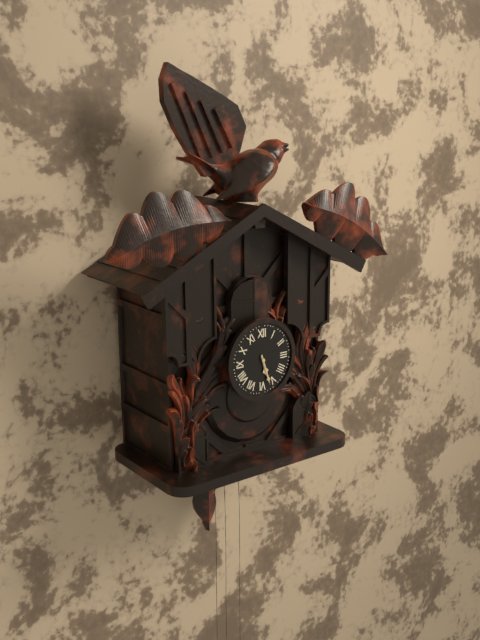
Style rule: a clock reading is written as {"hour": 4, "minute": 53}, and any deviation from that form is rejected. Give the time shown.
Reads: {"hour": 5, "minute": 27}
